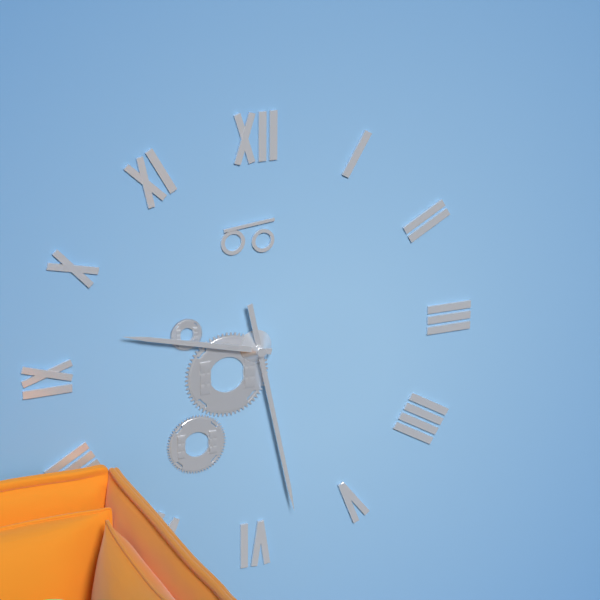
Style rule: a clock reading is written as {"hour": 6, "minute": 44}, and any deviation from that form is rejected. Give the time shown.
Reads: {"hour": 9, "minute": 28}
